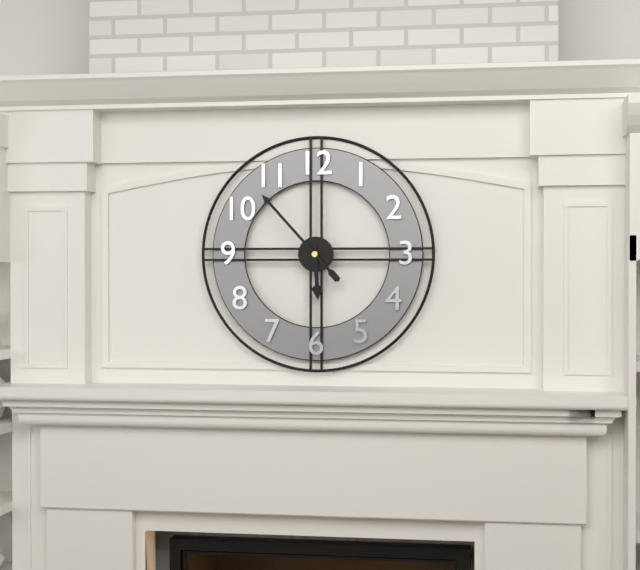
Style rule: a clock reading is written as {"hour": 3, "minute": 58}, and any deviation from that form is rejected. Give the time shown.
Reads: {"hour": 5, "minute": 53}
